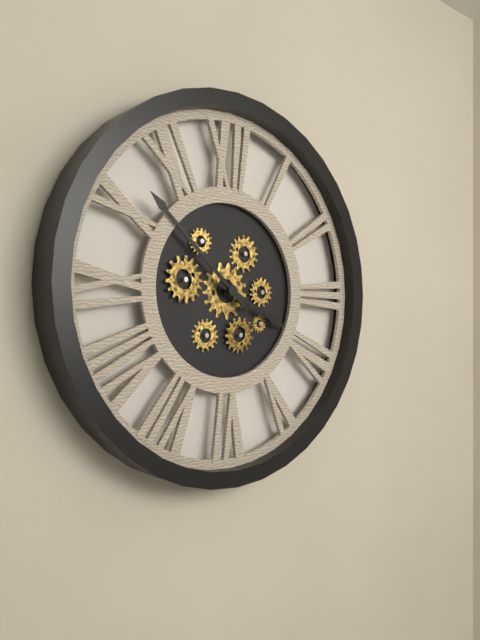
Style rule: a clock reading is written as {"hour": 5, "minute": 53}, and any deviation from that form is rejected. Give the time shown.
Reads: {"hour": 3, "minute": 52}
